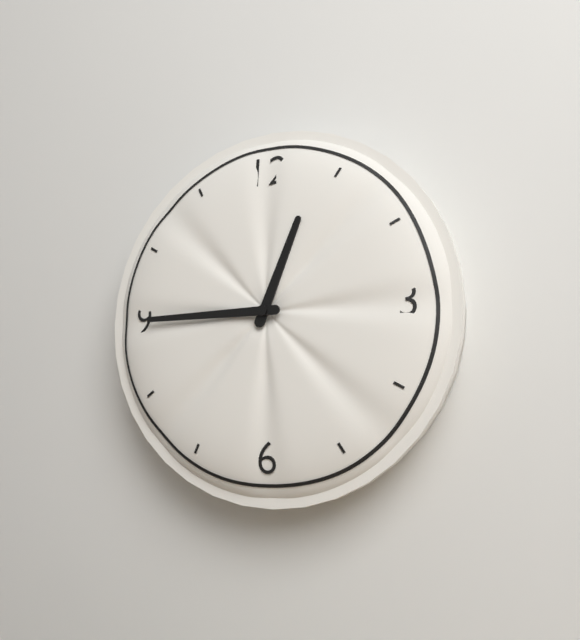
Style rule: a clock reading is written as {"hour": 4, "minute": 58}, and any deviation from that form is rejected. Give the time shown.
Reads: {"hour": 12, "minute": 45}
